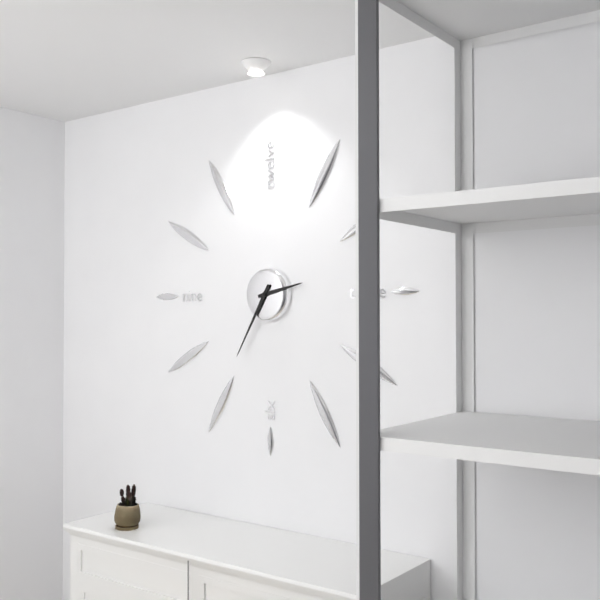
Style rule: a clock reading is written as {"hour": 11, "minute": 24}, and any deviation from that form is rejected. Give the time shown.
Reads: {"hour": 2, "minute": 35}
